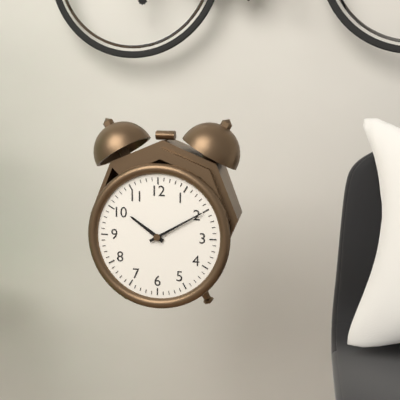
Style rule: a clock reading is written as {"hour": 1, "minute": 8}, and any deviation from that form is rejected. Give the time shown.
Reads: {"hour": 10, "minute": 10}
